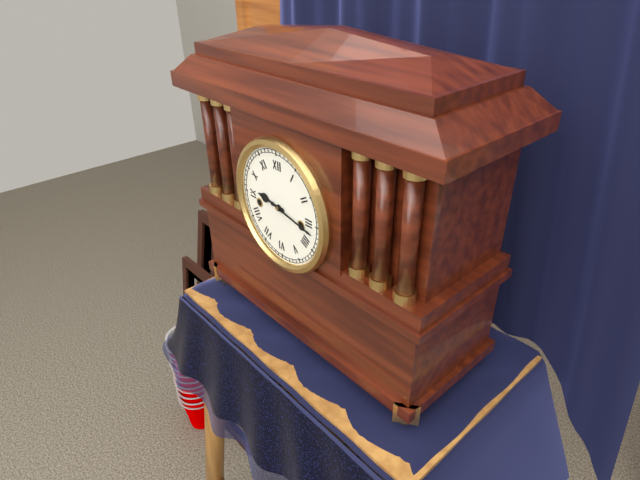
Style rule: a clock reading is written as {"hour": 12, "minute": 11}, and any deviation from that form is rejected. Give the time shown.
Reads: {"hour": 9, "minute": 17}
